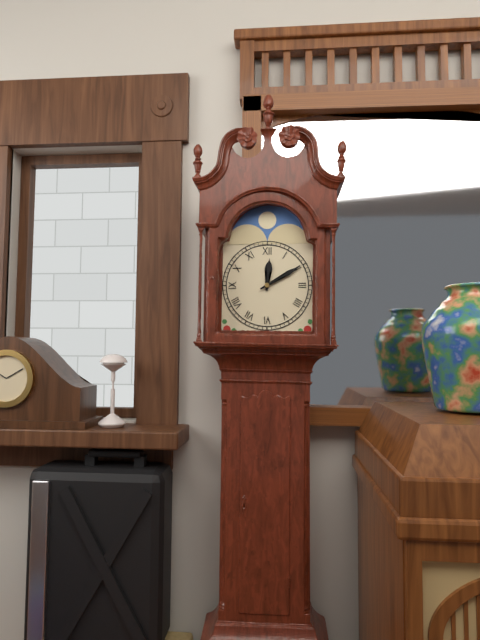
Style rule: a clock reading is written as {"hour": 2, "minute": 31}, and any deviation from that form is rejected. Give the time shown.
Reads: {"hour": 12, "minute": 10}
